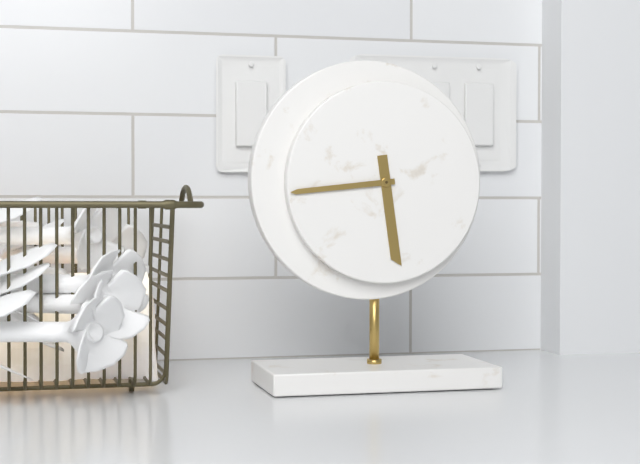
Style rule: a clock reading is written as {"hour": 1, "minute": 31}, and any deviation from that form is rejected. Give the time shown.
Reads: {"hour": 5, "minute": 44}
